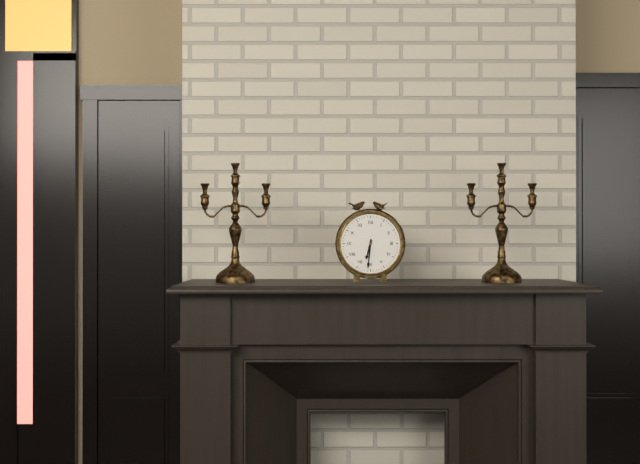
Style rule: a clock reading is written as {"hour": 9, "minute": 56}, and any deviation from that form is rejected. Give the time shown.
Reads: {"hour": 6, "minute": 31}
